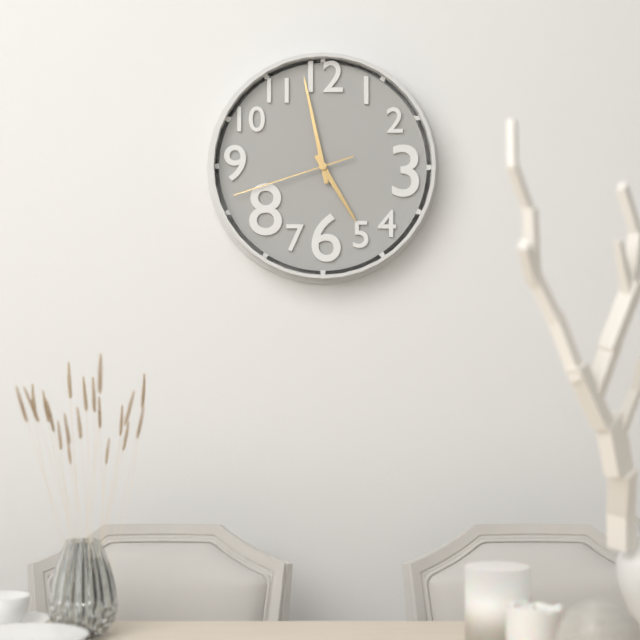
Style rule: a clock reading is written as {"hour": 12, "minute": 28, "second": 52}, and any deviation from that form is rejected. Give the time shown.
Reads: {"hour": 4, "minute": 58, "second": 42}
